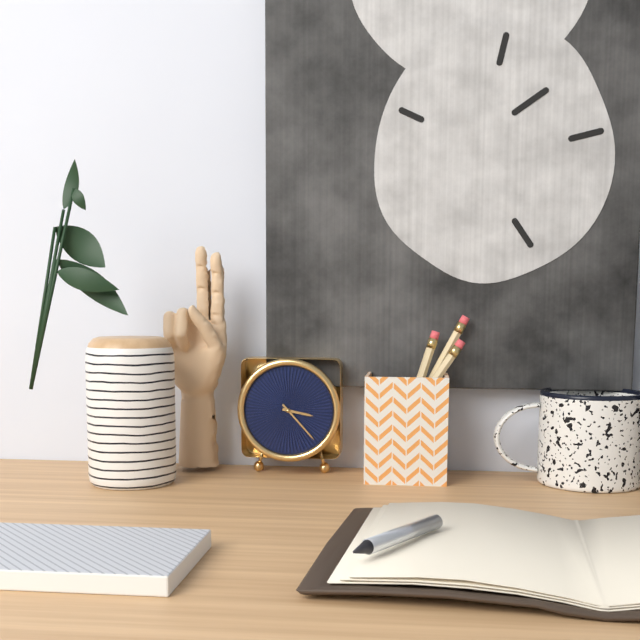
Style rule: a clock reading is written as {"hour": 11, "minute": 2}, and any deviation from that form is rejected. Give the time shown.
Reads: {"hour": 3, "minute": 23}
